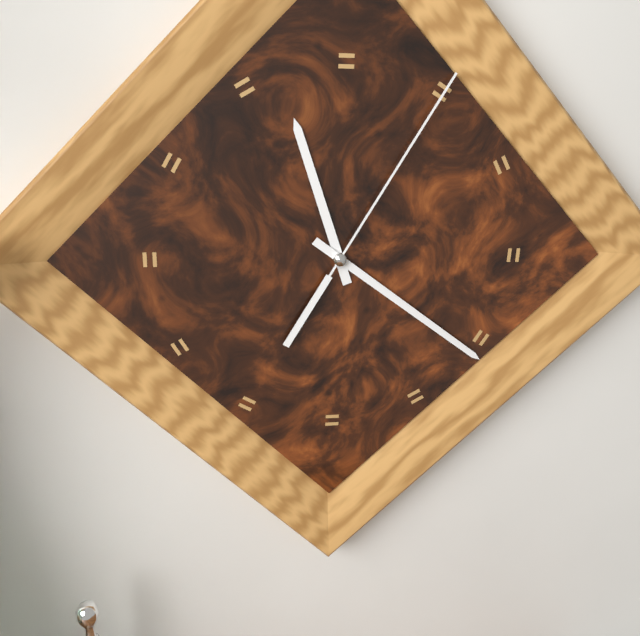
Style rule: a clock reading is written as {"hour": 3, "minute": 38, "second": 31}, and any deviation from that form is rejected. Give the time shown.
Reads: {"hour": 11, "minute": 21, "second": 5}
